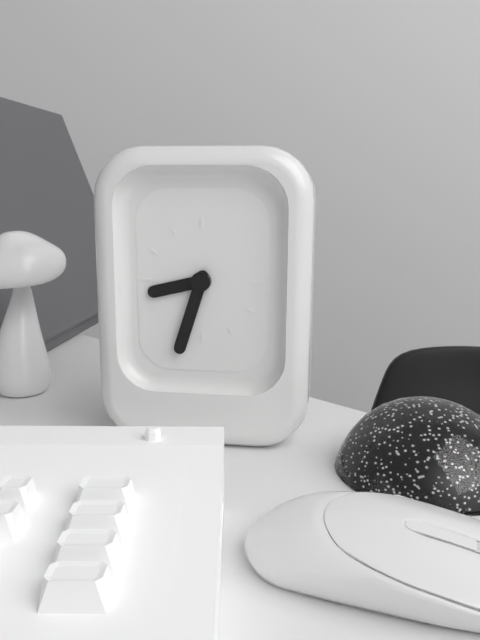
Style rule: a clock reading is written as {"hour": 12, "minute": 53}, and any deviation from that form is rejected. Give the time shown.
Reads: {"hour": 8, "minute": 33}
